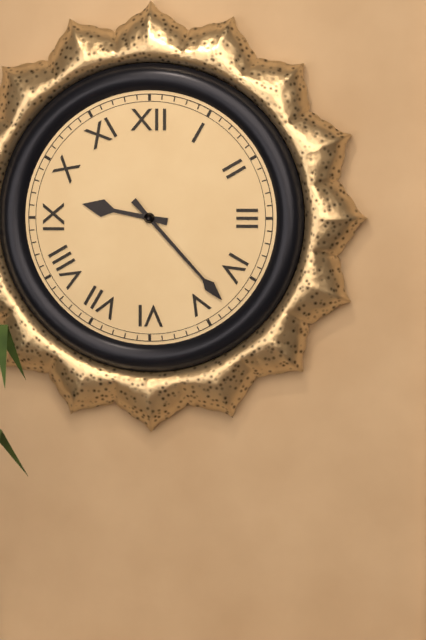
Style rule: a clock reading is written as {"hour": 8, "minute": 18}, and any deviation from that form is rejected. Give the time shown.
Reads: {"hour": 9, "minute": 23}
